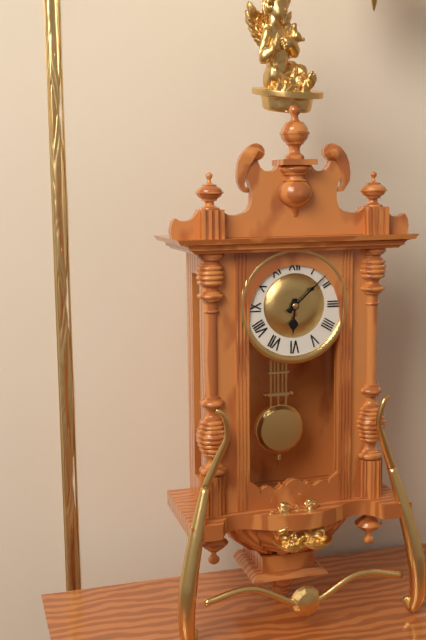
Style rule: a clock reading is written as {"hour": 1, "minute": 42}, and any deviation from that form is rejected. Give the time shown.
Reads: {"hour": 6, "minute": 8}
